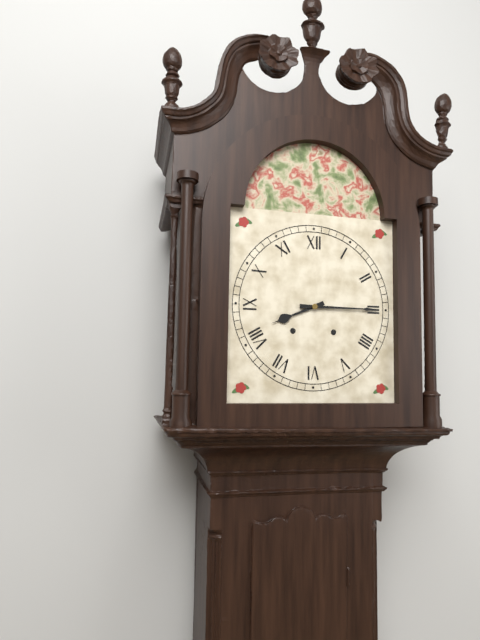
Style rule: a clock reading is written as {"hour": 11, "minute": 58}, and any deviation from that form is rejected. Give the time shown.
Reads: {"hour": 8, "minute": 15}
